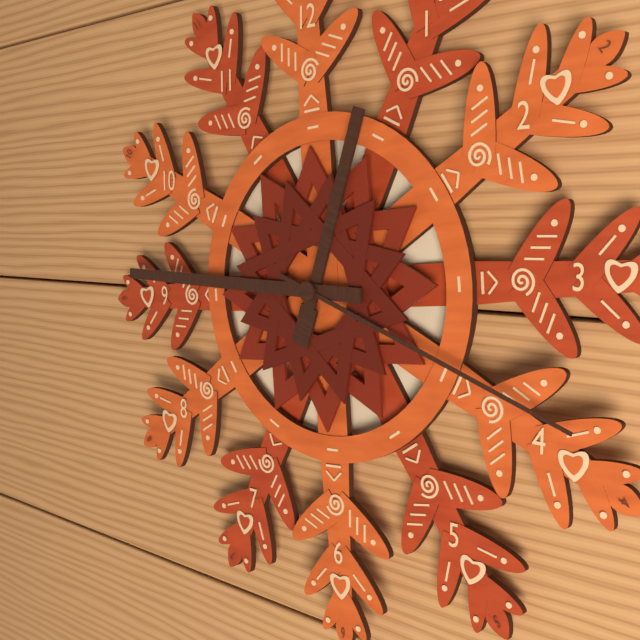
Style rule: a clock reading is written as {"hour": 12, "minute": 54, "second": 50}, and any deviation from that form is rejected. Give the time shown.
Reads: {"hour": 12, "minute": 46, "second": 19}
